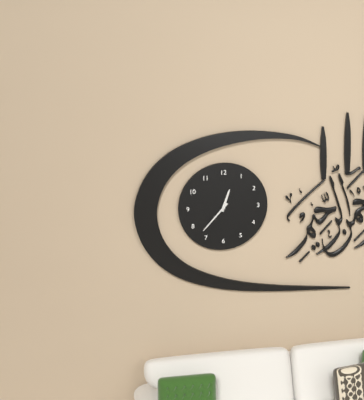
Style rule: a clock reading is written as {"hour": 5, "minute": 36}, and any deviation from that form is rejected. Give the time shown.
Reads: {"hour": 12, "minute": 37}
